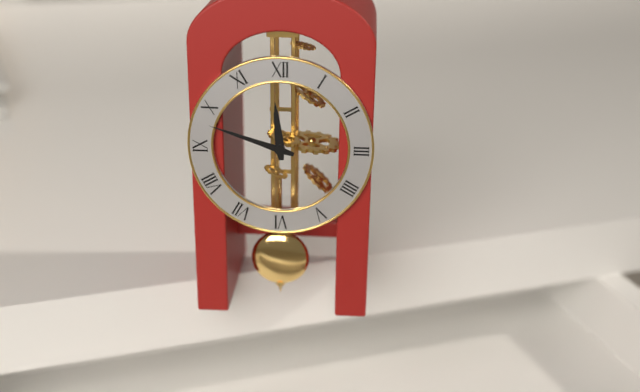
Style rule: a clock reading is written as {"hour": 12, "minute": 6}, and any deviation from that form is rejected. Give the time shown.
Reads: {"hour": 11, "minute": 48}
